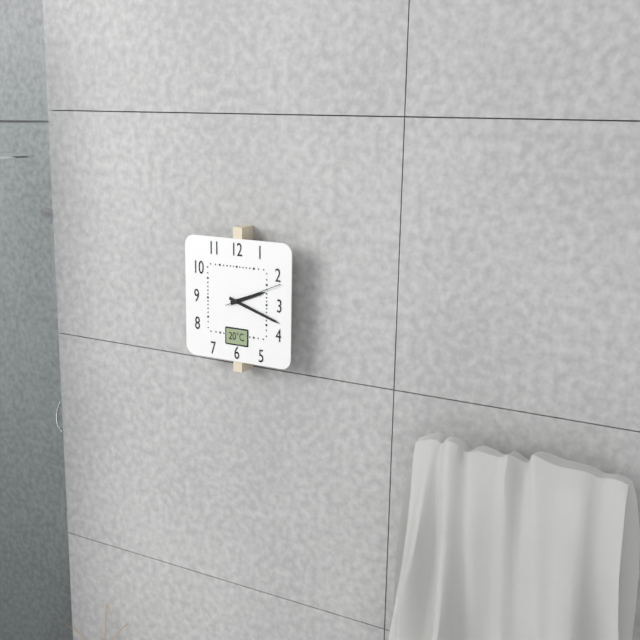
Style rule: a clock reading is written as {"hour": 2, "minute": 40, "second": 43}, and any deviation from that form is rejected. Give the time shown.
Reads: {"hour": 2, "minute": 18, "second": 11}
